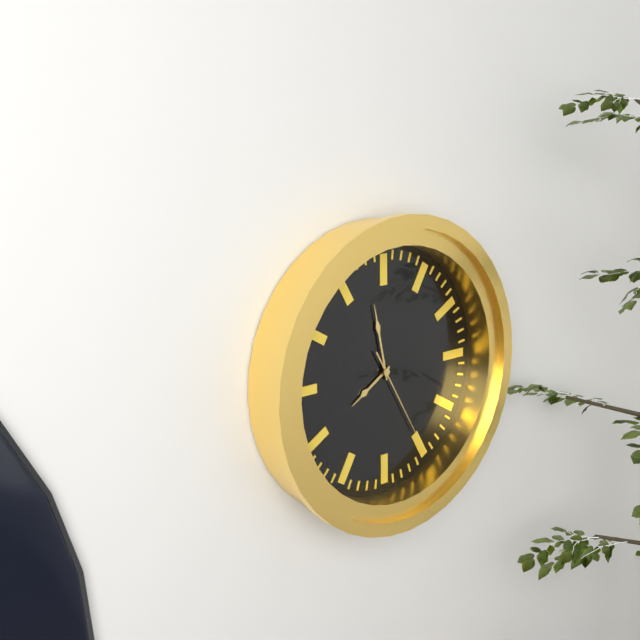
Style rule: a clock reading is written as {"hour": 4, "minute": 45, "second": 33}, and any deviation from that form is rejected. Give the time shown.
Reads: {"hour": 7, "minute": 58, "second": 25}
